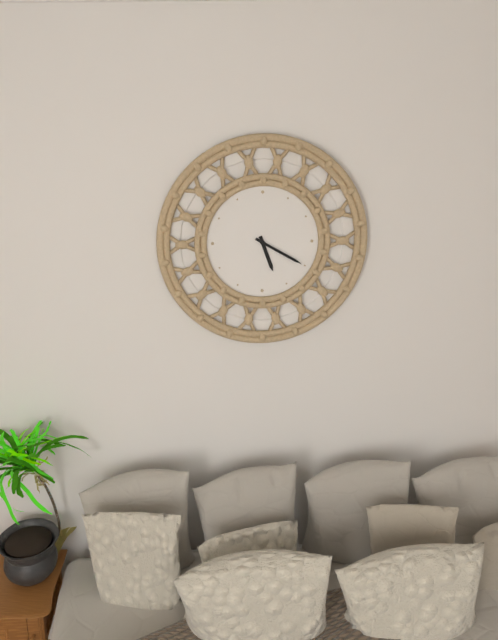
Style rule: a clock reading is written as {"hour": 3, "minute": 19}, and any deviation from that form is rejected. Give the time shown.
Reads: {"hour": 5, "minute": 20}
